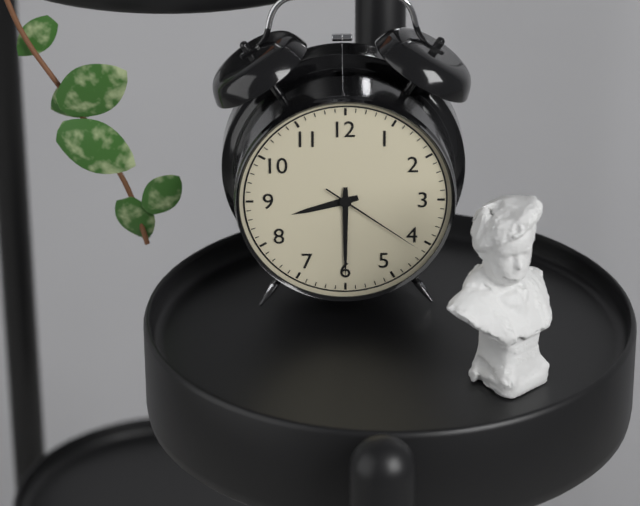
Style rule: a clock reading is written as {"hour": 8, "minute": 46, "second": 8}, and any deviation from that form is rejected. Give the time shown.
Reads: {"hour": 8, "minute": 30, "second": 21}
